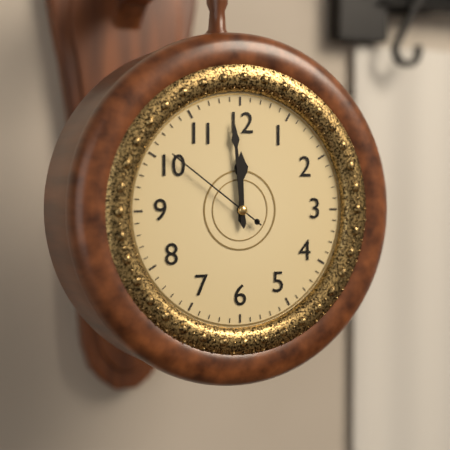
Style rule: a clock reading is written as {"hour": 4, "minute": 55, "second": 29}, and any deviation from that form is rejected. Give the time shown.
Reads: {"hour": 11, "minute": 59, "second": 51}
